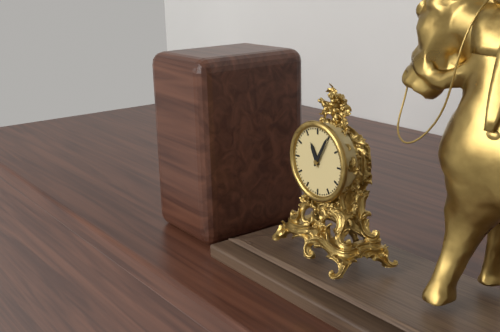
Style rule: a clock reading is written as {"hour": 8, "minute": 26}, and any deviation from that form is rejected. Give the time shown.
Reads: {"hour": 11, "minute": 5}
